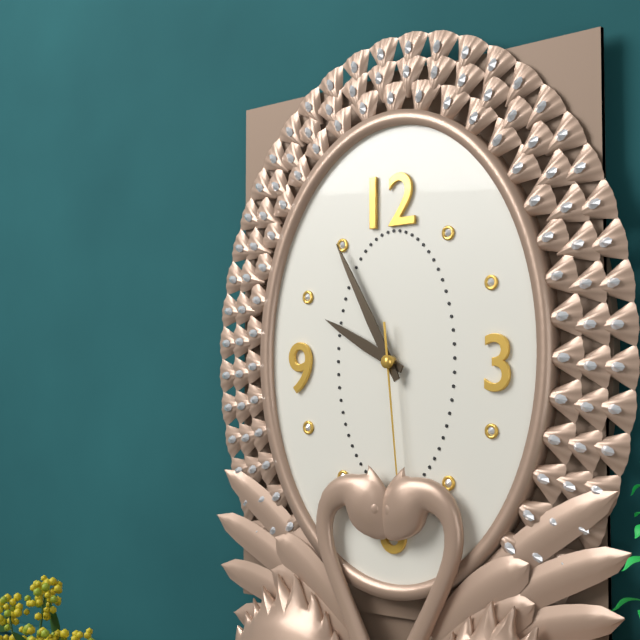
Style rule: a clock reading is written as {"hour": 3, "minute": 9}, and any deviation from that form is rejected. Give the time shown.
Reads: {"hour": 9, "minute": 55}
